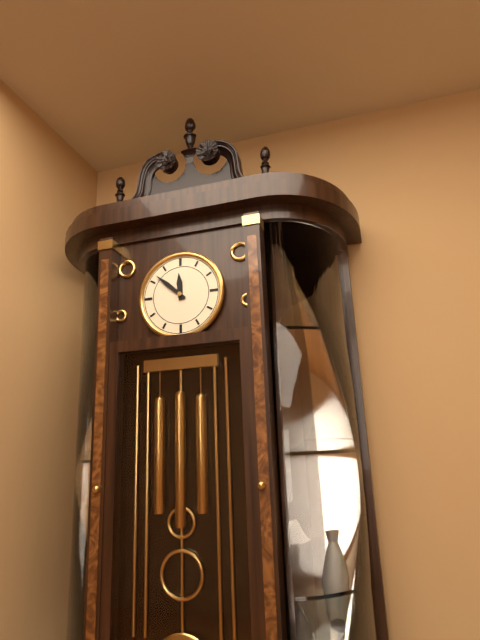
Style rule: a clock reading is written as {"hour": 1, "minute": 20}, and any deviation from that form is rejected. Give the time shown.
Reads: {"hour": 11, "minute": 52}
